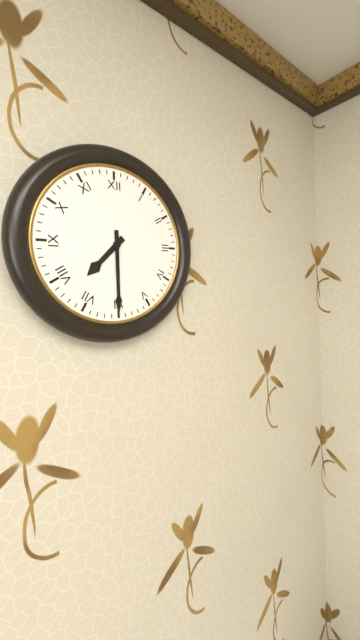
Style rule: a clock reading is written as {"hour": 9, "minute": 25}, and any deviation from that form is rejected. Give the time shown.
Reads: {"hour": 7, "minute": 30}
